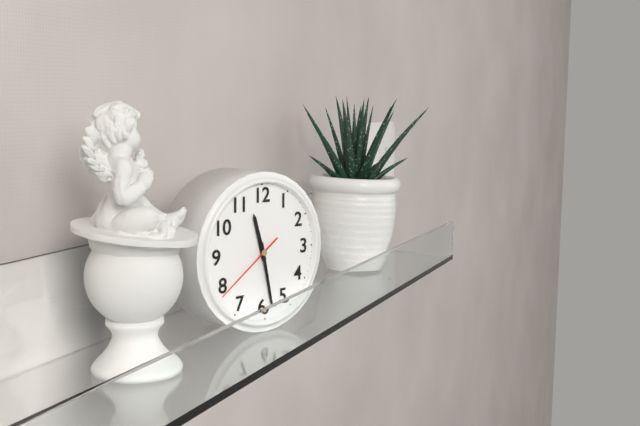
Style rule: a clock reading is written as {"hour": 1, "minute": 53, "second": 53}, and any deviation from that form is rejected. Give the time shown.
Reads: {"hour": 11, "minute": 28, "second": 39}
